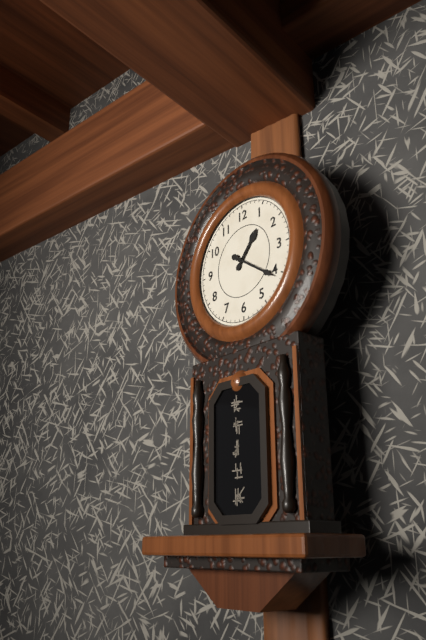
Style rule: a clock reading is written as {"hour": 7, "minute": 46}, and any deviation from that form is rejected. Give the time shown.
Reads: {"hour": 1, "minute": 21}
